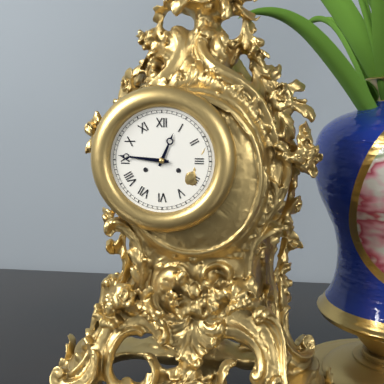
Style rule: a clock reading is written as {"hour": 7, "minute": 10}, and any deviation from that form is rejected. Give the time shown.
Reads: {"hour": 12, "minute": 46}
